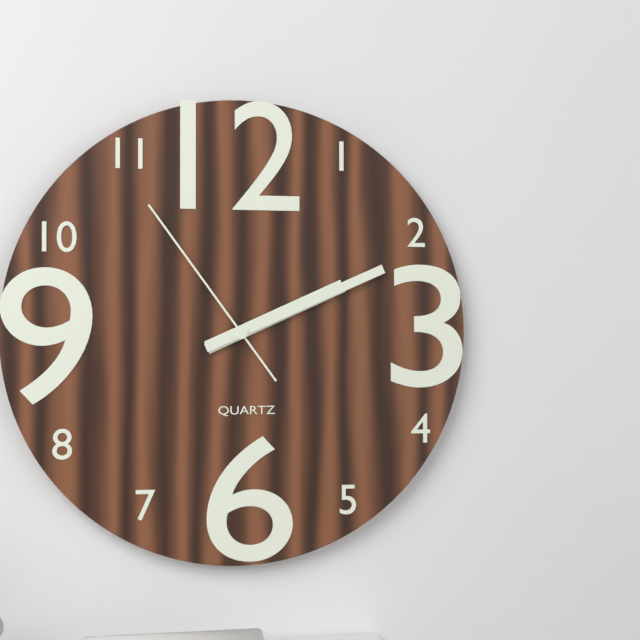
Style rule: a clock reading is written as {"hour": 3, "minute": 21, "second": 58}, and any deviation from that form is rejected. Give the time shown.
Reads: {"hour": 2, "minute": 11, "second": 54}
